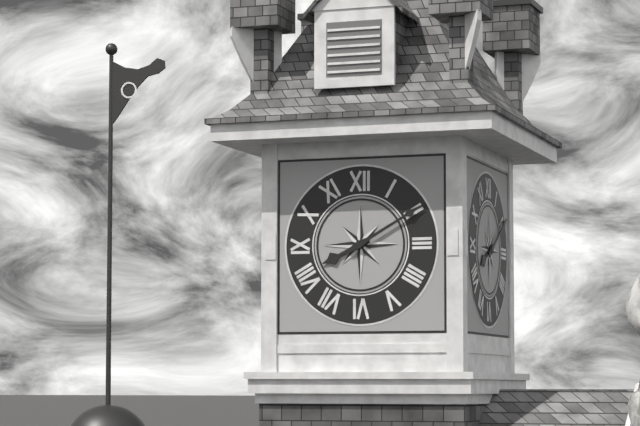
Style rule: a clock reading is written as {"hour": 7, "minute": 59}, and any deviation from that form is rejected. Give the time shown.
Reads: {"hour": 8, "minute": 10}
